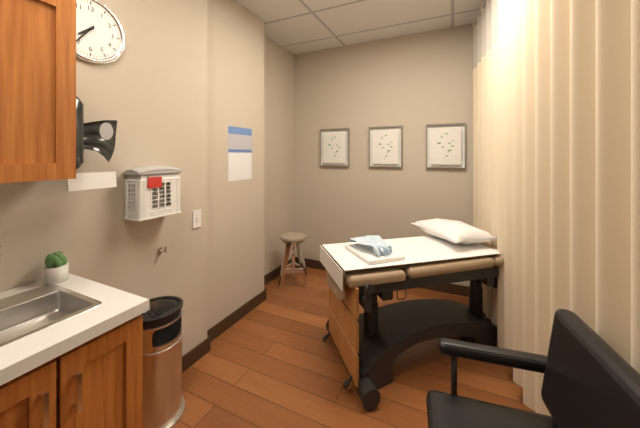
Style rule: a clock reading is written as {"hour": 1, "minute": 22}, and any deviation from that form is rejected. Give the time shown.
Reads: {"hour": 7, "minute": 36}
